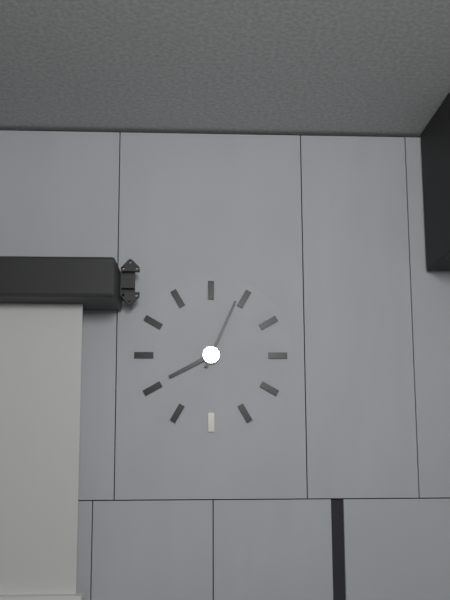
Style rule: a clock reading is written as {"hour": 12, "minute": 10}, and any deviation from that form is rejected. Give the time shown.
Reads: {"hour": 8, "minute": 4}
